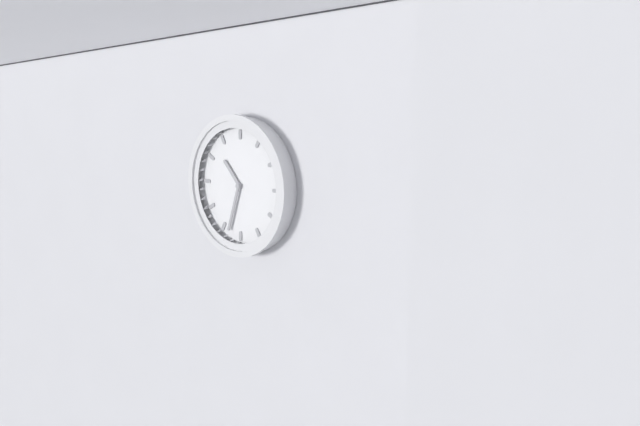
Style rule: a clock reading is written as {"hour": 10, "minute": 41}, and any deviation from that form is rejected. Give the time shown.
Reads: {"hour": 10, "minute": 33}
